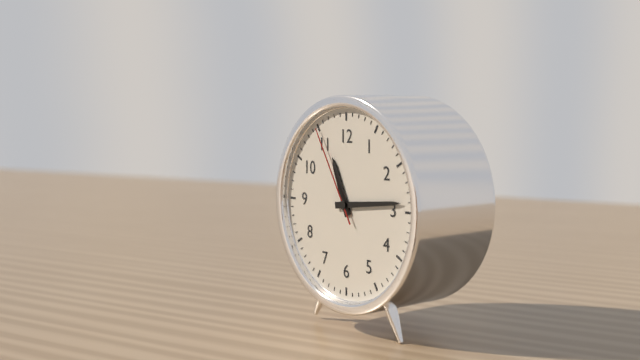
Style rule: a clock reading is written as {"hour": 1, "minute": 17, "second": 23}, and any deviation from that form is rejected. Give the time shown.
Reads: {"hour": 11, "minute": 14, "second": 55}
